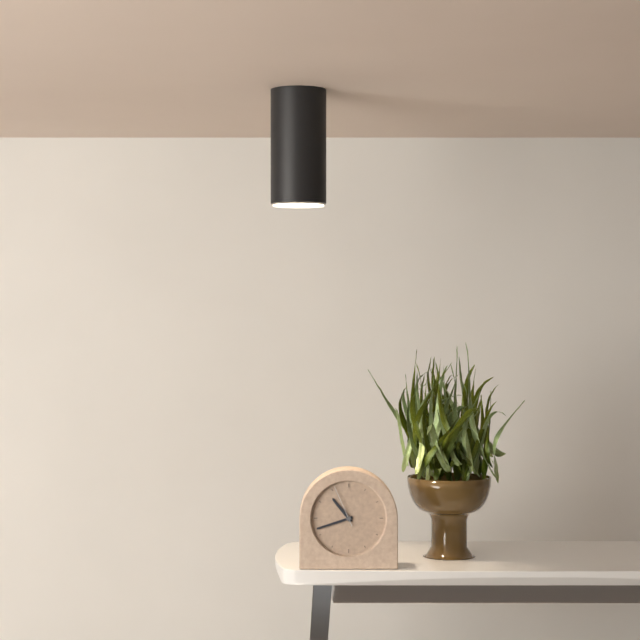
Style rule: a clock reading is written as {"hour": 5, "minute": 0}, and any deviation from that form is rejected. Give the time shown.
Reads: {"hour": 10, "minute": 42}
